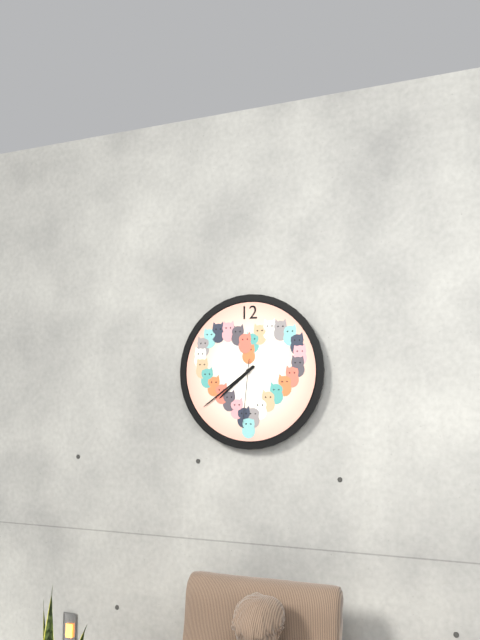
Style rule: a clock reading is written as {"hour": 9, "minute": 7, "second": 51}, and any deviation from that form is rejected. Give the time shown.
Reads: {"hour": 7, "minute": 39, "second": 31}
